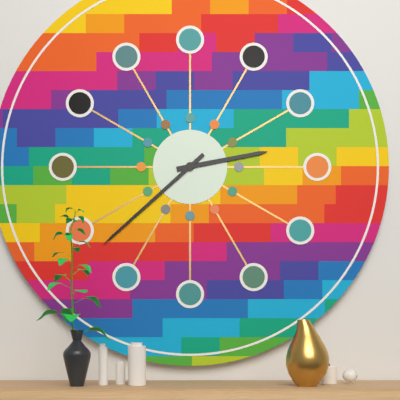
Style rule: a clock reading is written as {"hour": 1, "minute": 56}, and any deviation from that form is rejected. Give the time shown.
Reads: {"hour": 2, "minute": 38}
